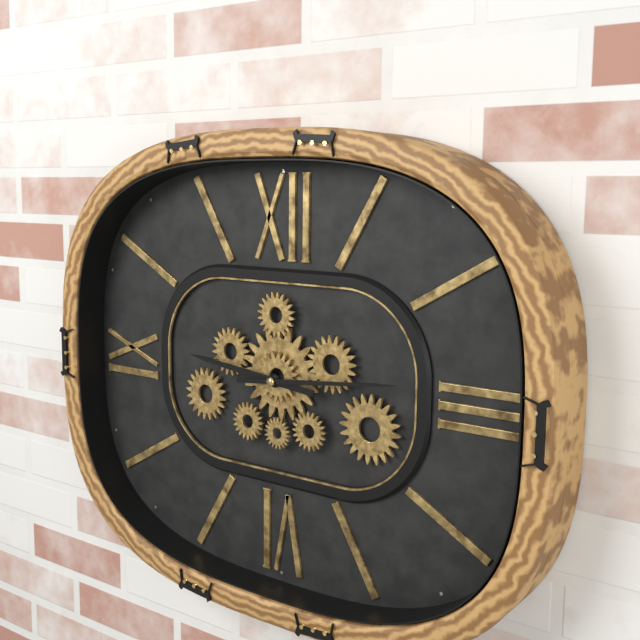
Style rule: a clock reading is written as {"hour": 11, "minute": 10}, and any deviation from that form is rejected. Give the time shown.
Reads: {"hour": 9, "minute": 14}
